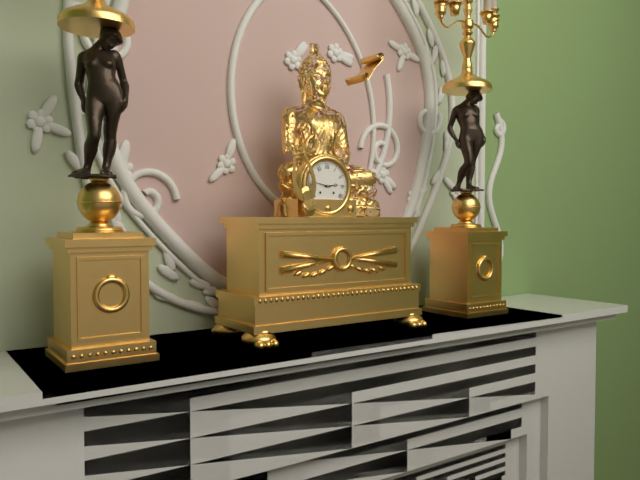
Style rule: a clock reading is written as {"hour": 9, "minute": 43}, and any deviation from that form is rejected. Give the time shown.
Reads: {"hour": 2, "minute": 47}
